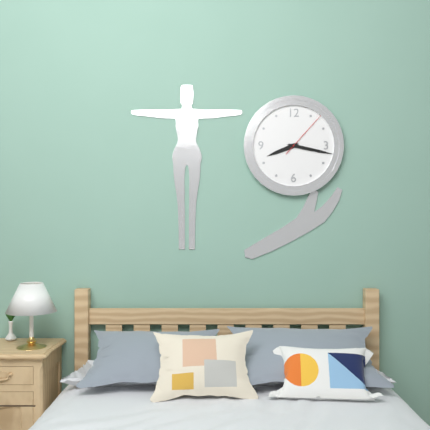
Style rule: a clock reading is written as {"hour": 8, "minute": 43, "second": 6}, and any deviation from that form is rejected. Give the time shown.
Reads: {"hour": 8, "minute": 17, "second": 7}
